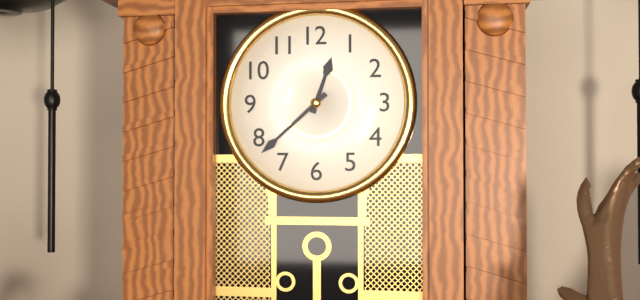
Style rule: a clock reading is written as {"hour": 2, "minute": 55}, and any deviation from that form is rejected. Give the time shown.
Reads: {"hour": 12, "minute": 38}
